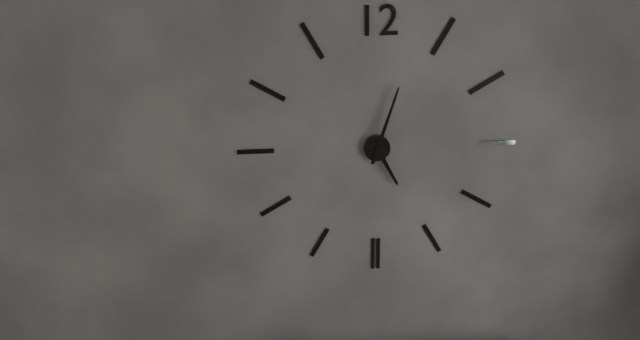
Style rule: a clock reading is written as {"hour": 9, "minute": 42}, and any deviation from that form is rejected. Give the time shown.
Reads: {"hour": 5, "minute": 3}
